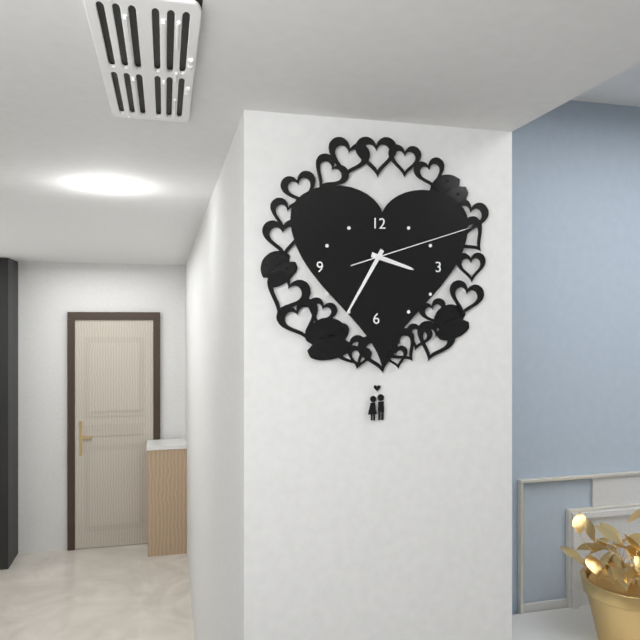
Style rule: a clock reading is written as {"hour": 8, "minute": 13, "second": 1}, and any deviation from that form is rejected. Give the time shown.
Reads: {"hour": 3, "minute": 35, "second": 12}
